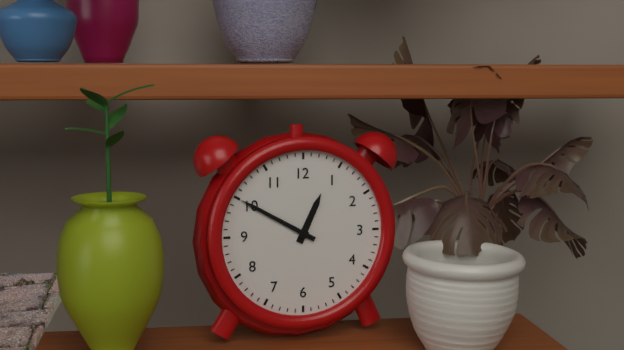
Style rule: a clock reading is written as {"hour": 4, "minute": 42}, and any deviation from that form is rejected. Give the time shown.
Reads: {"hour": 12, "minute": 50}
